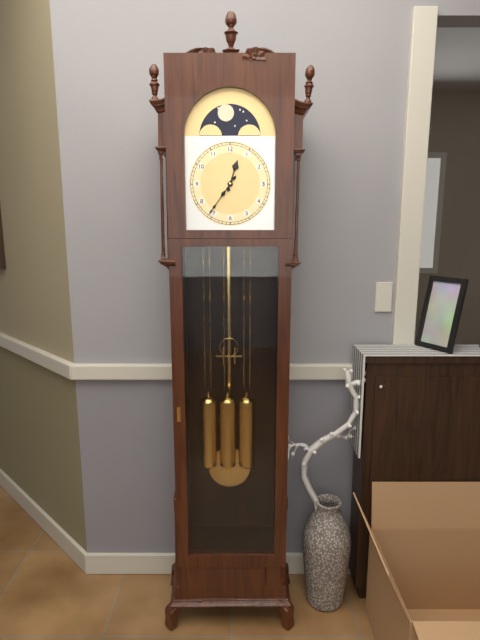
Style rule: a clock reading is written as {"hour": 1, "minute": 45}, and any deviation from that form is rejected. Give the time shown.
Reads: {"hour": 12, "minute": 36}
